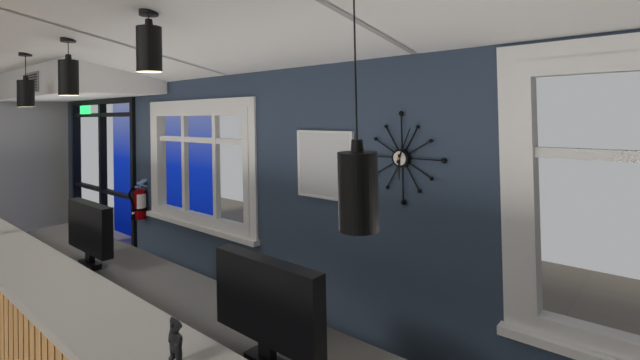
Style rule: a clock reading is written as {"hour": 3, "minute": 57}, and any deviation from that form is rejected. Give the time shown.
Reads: {"hour": 6, "minute": 4}
